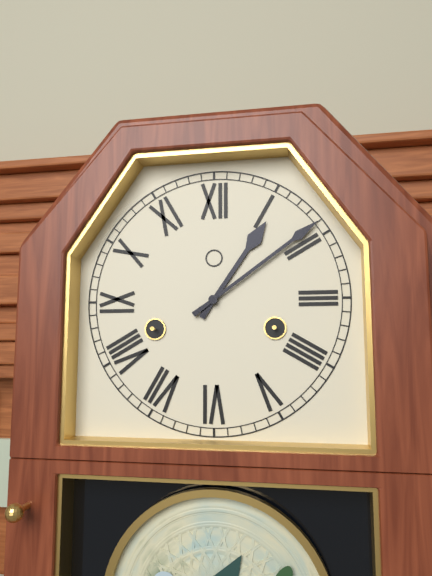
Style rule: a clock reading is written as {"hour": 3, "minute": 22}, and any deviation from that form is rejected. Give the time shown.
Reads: {"hour": 1, "minute": 9}
